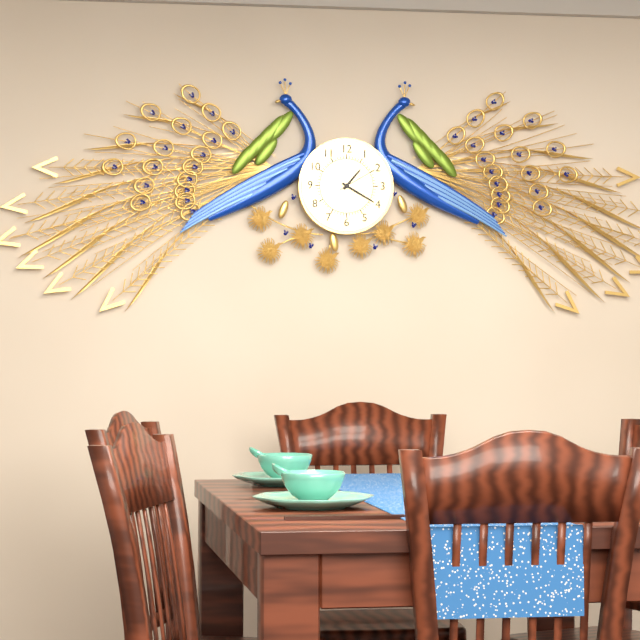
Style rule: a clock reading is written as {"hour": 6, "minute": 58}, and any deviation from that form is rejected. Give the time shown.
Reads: {"hour": 1, "minute": 20}
